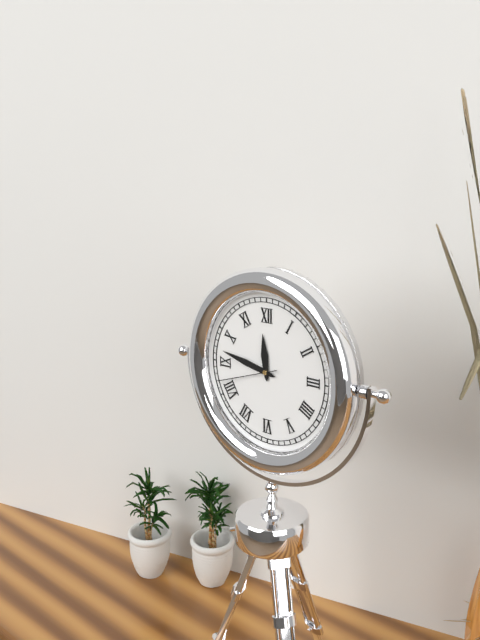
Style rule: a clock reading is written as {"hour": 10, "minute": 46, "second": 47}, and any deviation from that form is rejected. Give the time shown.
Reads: {"hour": 11, "minute": 47, "second": 42}
